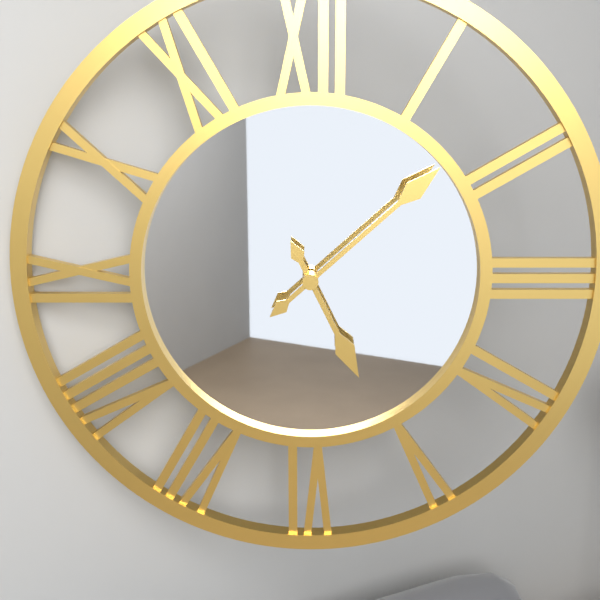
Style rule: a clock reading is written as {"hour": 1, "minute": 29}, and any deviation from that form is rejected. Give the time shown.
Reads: {"hour": 5, "minute": 8}
